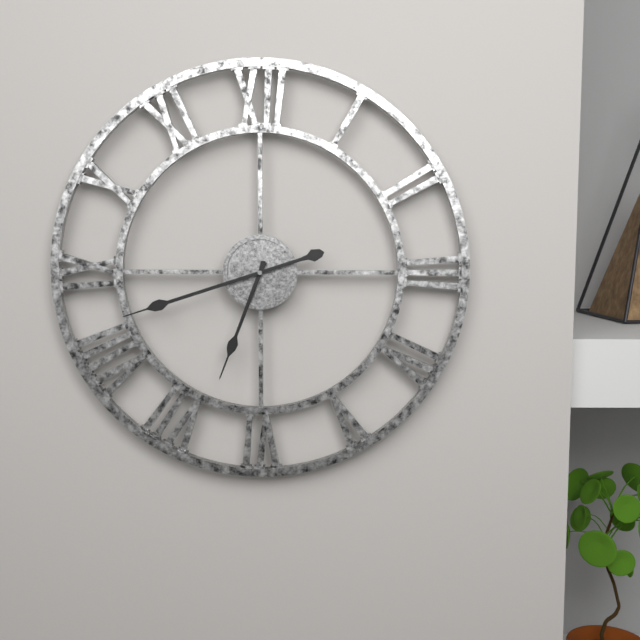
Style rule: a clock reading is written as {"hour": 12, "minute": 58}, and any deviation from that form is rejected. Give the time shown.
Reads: {"hour": 6, "minute": 42}
